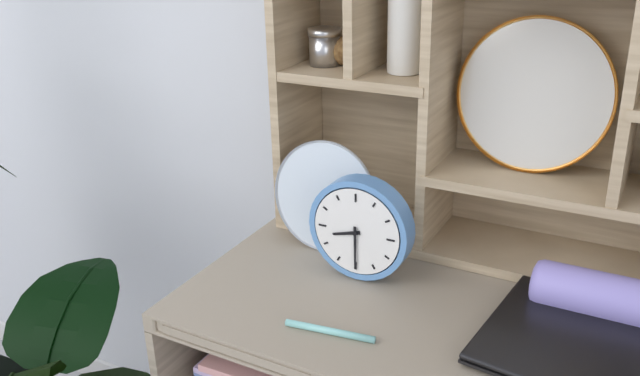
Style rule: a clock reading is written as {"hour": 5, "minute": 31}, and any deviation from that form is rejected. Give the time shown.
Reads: {"hour": 8, "minute": 30}
